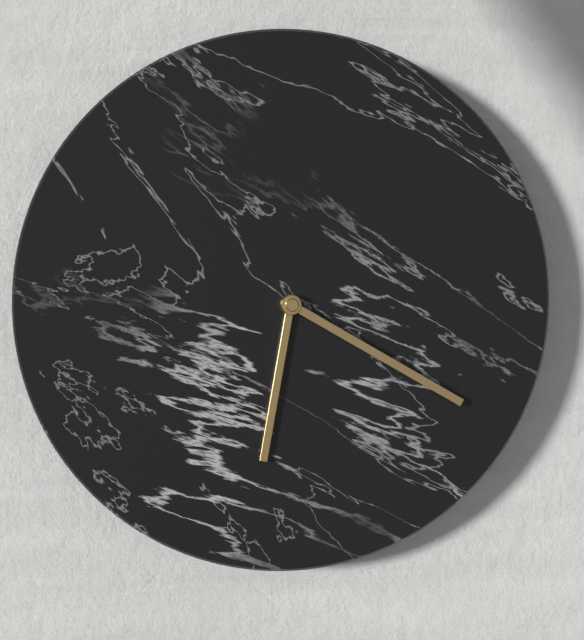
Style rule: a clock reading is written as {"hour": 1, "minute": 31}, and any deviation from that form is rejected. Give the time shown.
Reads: {"hour": 6, "minute": 20}
